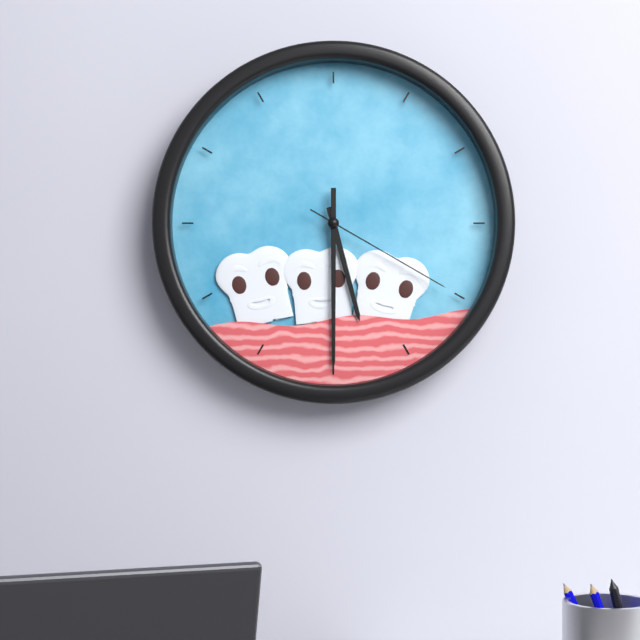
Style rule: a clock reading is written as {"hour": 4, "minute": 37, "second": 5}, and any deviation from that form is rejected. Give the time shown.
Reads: {"hour": 5, "minute": 30, "second": 20}
